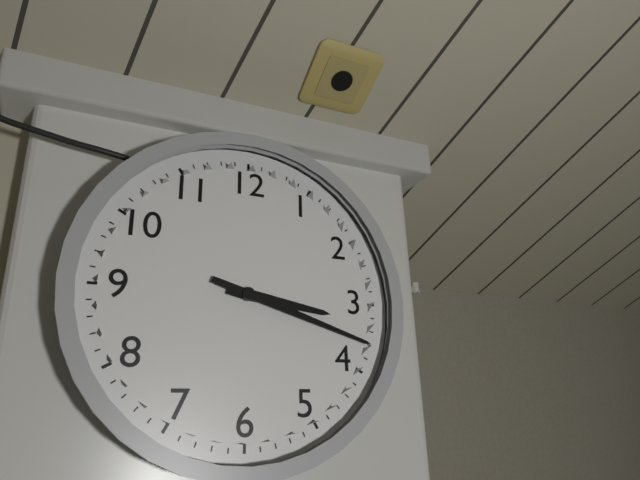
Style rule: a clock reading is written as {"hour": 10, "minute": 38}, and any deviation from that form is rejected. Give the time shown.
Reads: {"hour": 3, "minute": 18}
